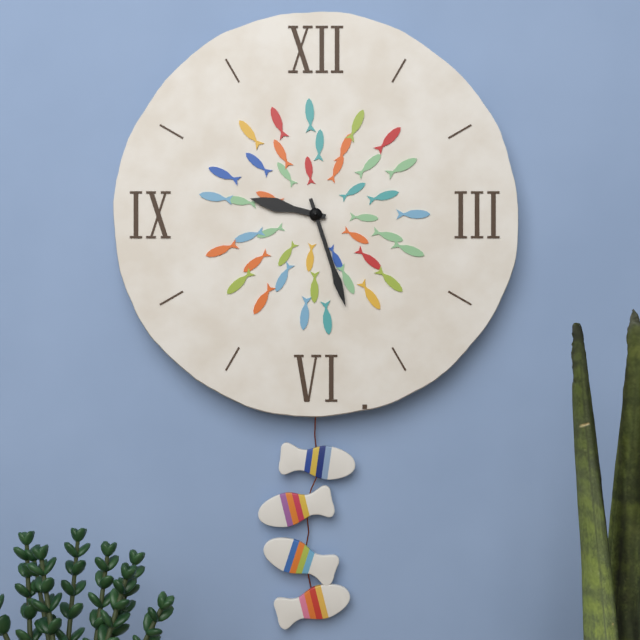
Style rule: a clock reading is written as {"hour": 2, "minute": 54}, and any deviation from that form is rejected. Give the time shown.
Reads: {"hour": 9, "minute": 27}
